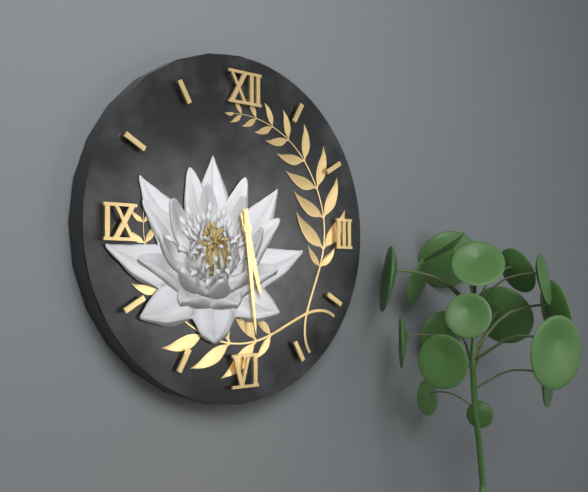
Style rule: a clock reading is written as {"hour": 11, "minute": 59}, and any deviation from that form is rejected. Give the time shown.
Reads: {"hour": 5, "minute": 29}
